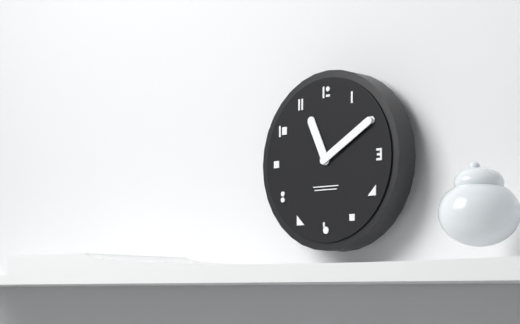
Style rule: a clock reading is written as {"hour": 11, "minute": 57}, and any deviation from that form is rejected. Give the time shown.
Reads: {"hour": 11, "minute": 10}
